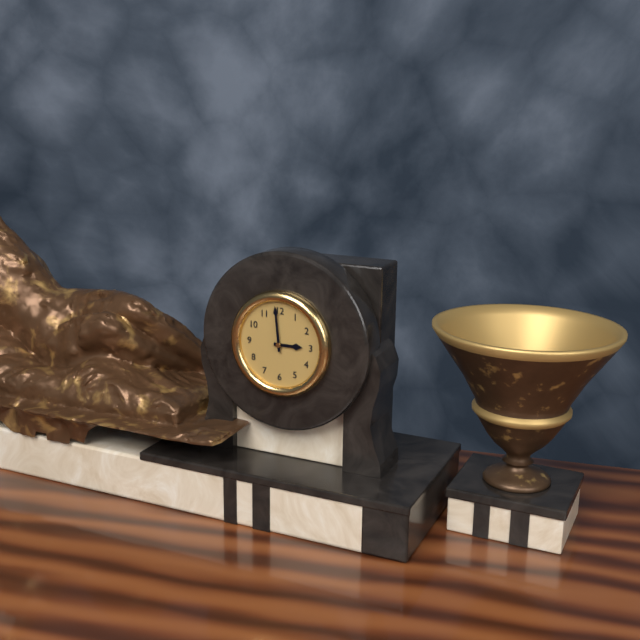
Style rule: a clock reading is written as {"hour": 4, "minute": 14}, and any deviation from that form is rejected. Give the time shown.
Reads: {"hour": 2, "minute": 59}
